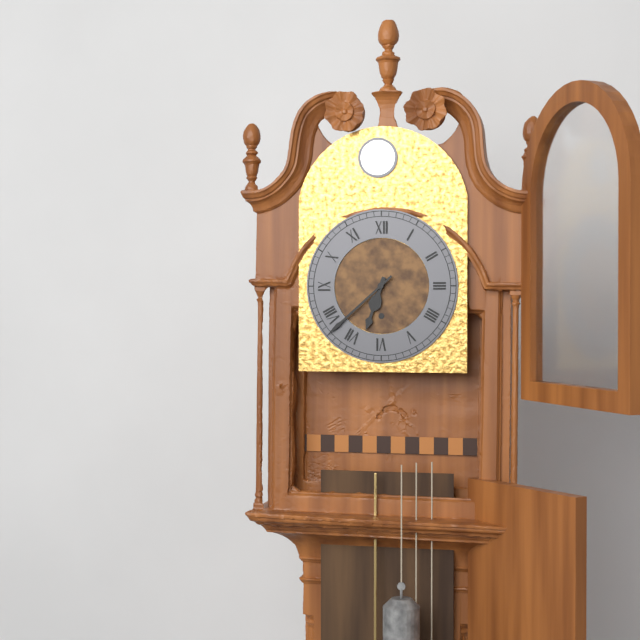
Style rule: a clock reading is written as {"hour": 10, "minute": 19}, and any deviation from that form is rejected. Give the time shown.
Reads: {"hour": 6, "minute": 38}
